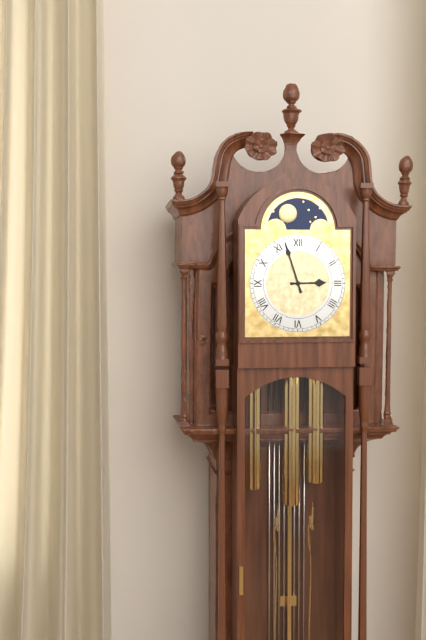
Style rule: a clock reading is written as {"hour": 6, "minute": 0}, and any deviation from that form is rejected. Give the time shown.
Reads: {"hour": 2, "minute": 57}
